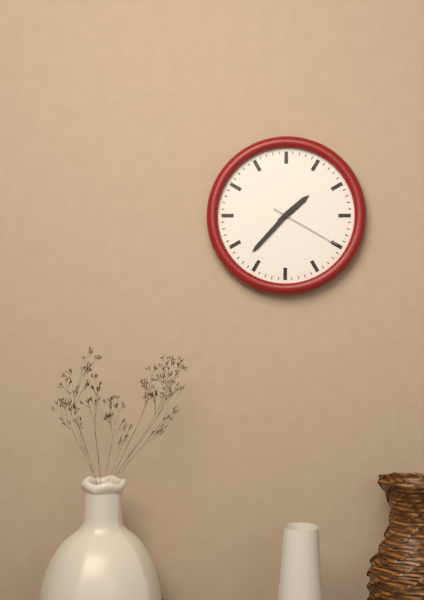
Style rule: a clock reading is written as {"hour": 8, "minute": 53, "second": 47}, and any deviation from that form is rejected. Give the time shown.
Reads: {"hour": 1, "minute": 37, "second": 20}
